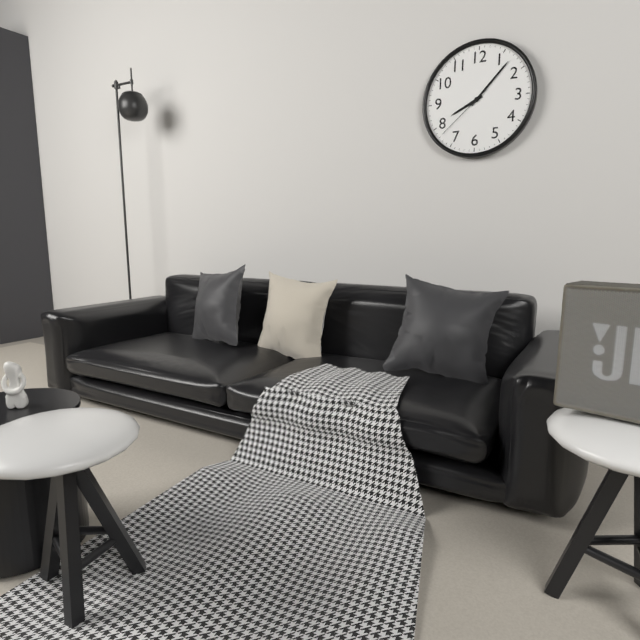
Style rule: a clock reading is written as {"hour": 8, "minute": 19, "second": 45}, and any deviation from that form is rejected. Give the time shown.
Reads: {"hour": 8, "minute": 7, "second": 38}
